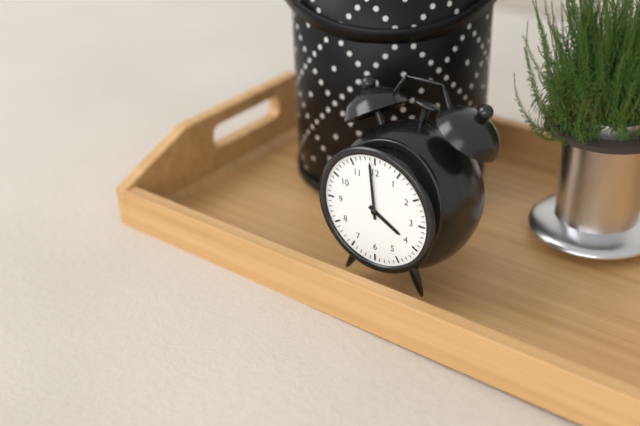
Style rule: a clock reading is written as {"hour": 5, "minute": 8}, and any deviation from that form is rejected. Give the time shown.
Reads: {"hour": 3, "minute": 59}
